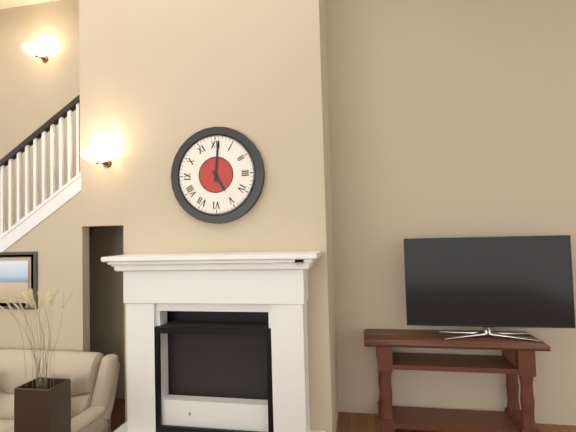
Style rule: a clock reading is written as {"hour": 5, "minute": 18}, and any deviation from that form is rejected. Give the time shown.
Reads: {"hour": 5, "minute": 1}
